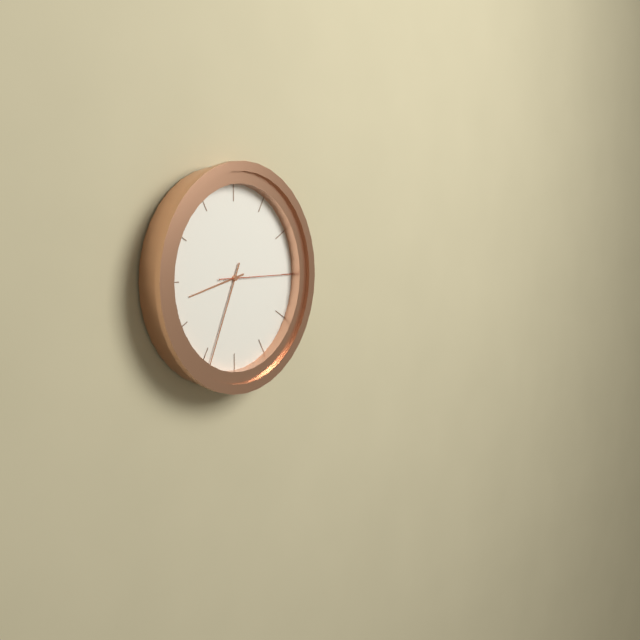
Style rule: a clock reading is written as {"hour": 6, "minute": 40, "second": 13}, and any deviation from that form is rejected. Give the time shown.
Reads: {"hour": 8, "minute": 34, "second": 15}
